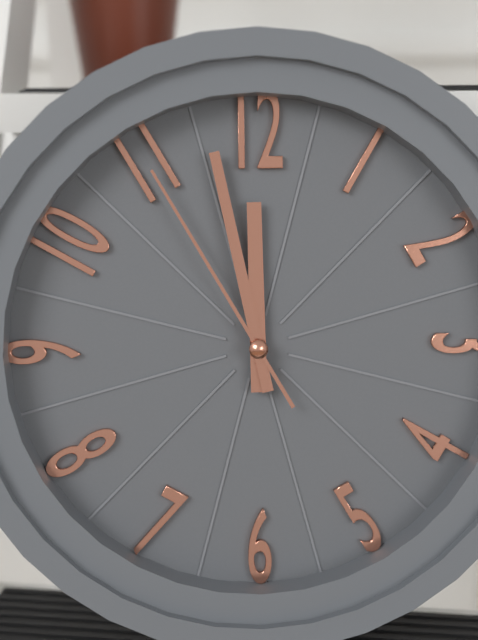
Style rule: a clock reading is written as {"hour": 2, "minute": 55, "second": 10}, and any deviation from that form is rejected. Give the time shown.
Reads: {"hour": 11, "minute": 58, "second": 55}
